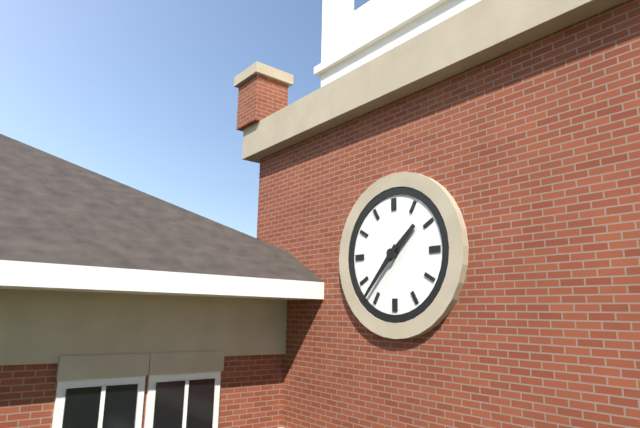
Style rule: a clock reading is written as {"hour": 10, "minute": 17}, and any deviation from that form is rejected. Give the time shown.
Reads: {"hour": 1, "minute": 37}
